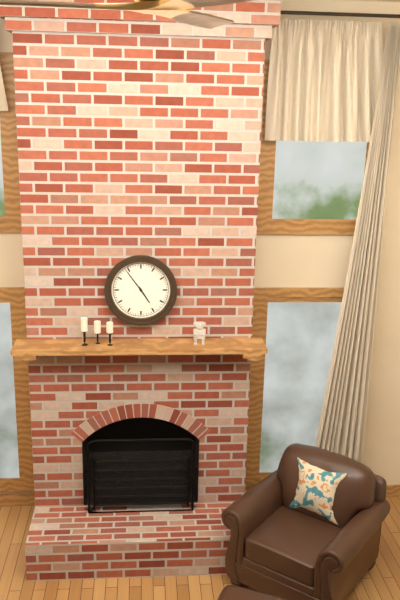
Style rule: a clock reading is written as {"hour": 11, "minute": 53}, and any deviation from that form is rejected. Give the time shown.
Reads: {"hour": 4, "minute": 54}
